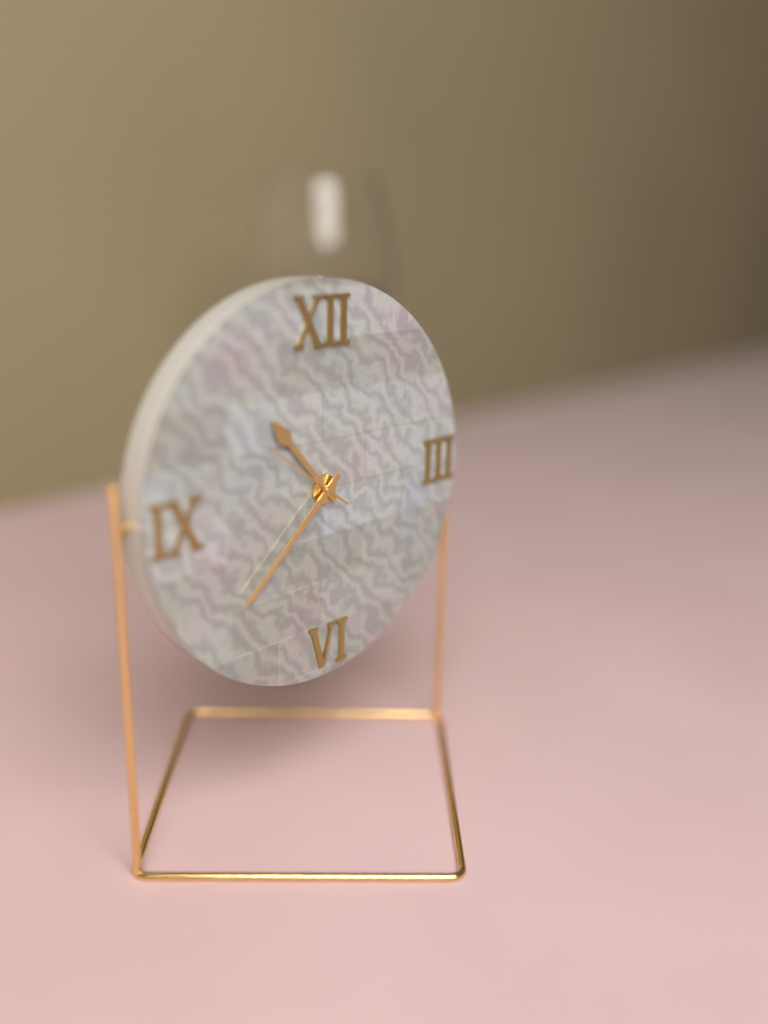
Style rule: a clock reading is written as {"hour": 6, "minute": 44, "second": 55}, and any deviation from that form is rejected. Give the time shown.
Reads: {"hour": 10, "minute": 38, "second": 51}
